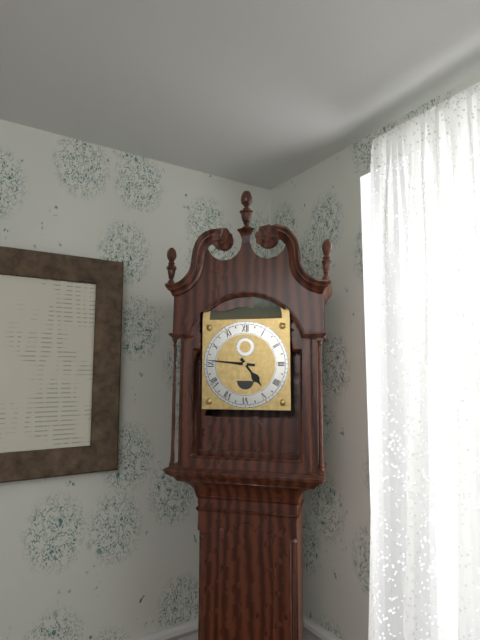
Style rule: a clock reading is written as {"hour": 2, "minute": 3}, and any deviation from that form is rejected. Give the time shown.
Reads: {"hour": 4, "minute": 46}
